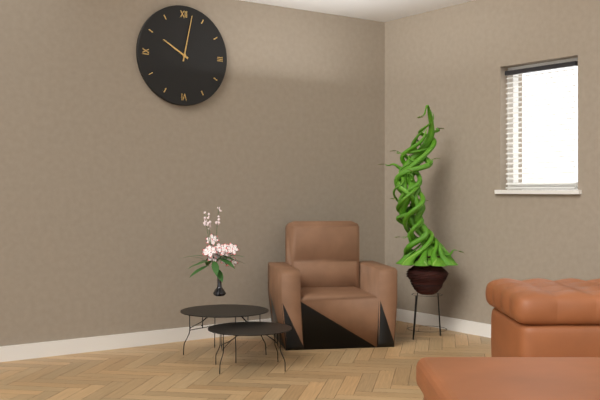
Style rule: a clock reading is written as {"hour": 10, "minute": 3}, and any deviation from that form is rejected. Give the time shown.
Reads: {"hour": 10, "minute": 2}
